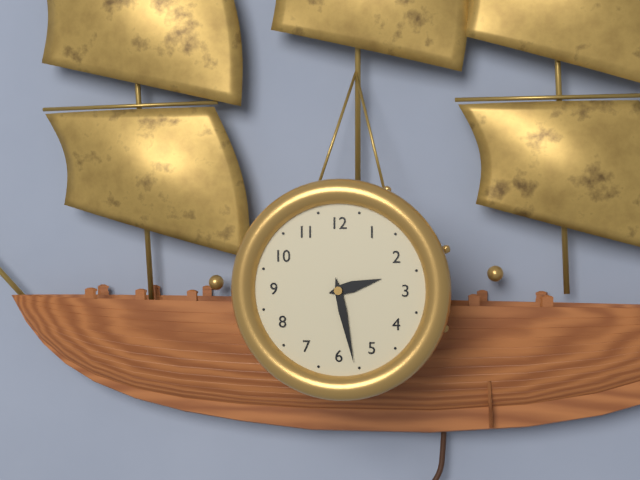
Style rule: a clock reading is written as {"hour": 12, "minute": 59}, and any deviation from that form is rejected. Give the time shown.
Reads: {"hour": 2, "minute": 28}
